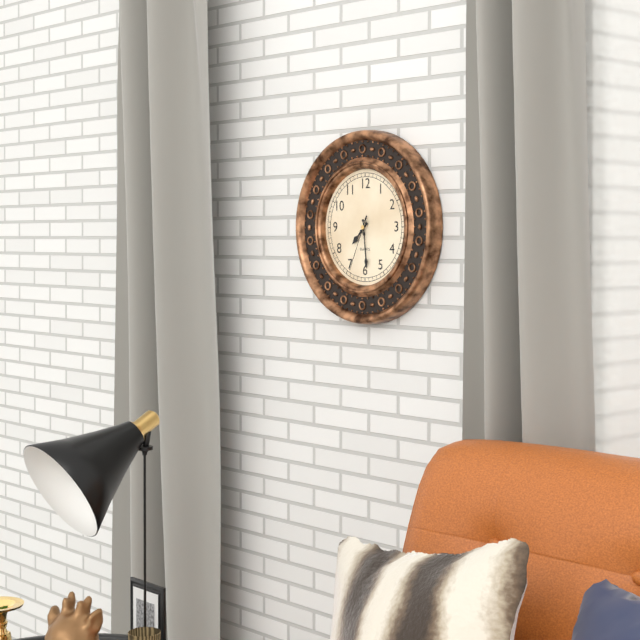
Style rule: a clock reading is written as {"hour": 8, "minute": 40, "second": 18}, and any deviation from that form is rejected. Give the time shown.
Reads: {"hour": 7, "minute": 29, "second": 34}
